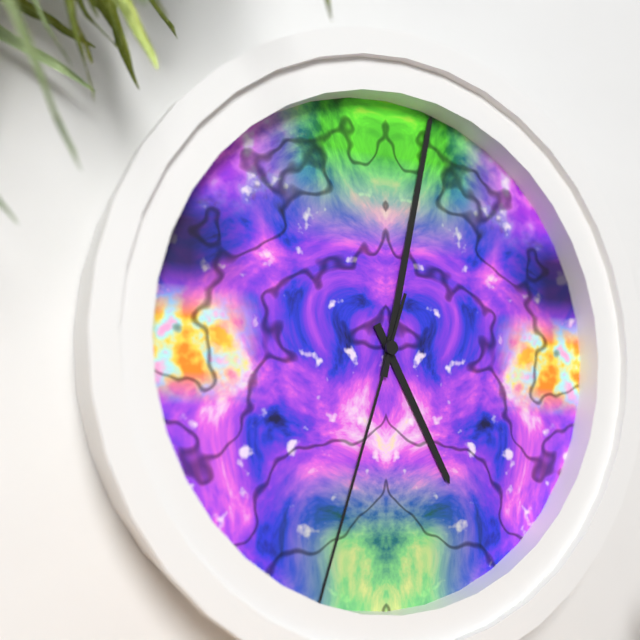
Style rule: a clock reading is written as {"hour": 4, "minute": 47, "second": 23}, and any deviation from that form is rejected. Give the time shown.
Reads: {"hour": 5, "minute": 2, "second": 33}
